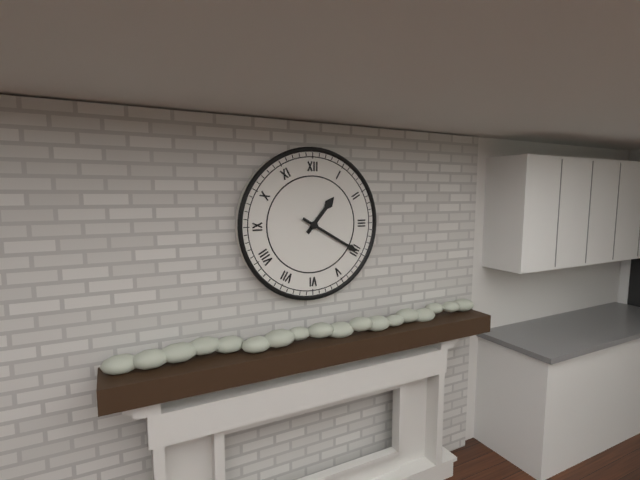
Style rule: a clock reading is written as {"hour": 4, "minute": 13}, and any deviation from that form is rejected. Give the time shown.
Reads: {"hour": 1, "minute": 20}
